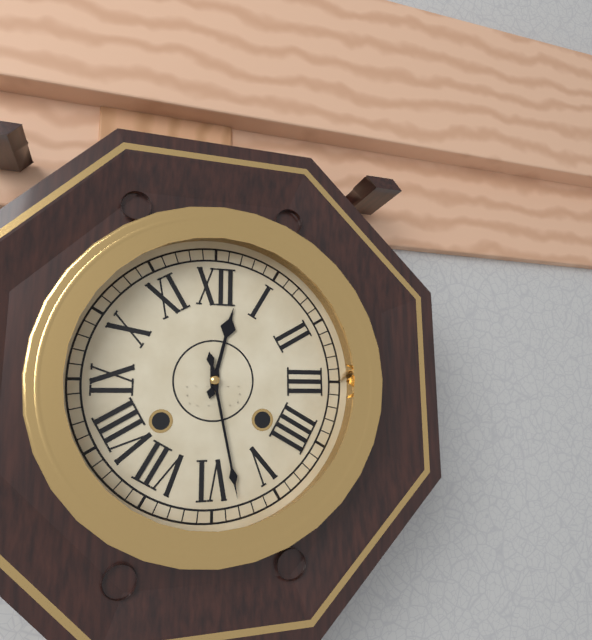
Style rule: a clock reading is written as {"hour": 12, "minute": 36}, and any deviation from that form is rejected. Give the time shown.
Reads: {"hour": 12, "minute": 28}
